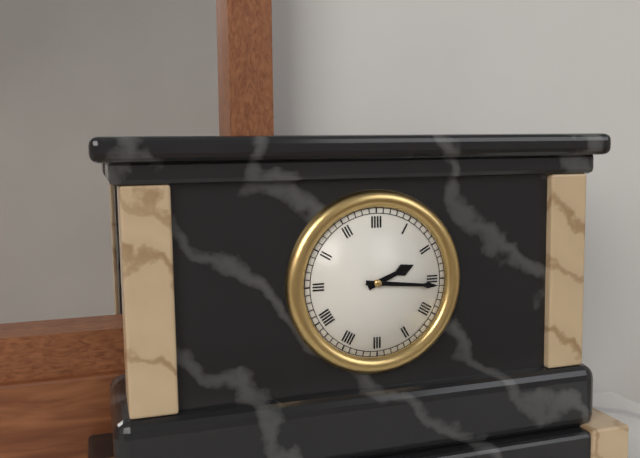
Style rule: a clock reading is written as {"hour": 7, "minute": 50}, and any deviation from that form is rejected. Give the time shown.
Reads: {"hour": 2, "minute": 16}
